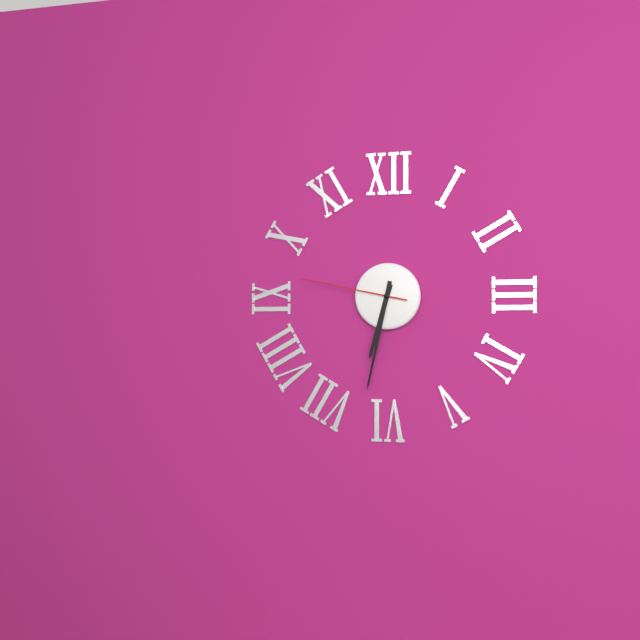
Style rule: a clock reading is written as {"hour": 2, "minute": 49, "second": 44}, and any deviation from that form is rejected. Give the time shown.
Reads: {"hour": 6, "minute": 32, "second": 47}
